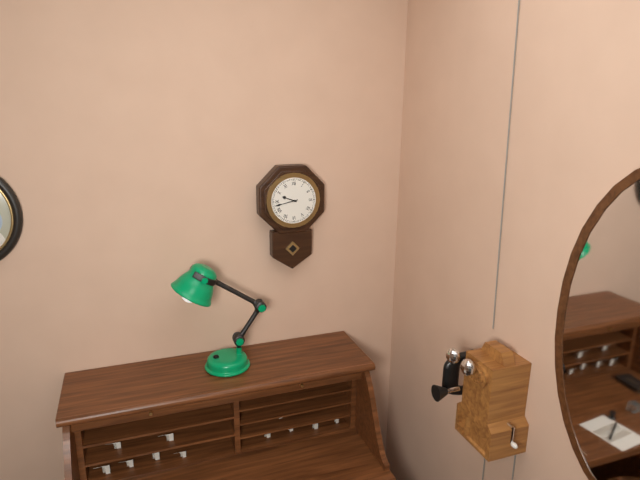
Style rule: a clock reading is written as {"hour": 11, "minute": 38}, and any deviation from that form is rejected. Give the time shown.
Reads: {"hour": 9, "minute": 43}
